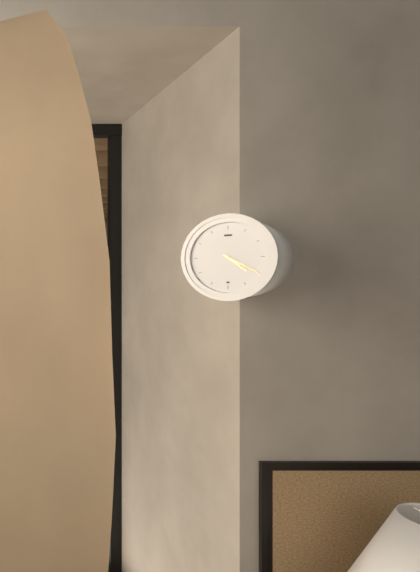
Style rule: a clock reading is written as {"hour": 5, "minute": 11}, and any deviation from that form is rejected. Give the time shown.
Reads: {"hour": 4, "minute": 20}
